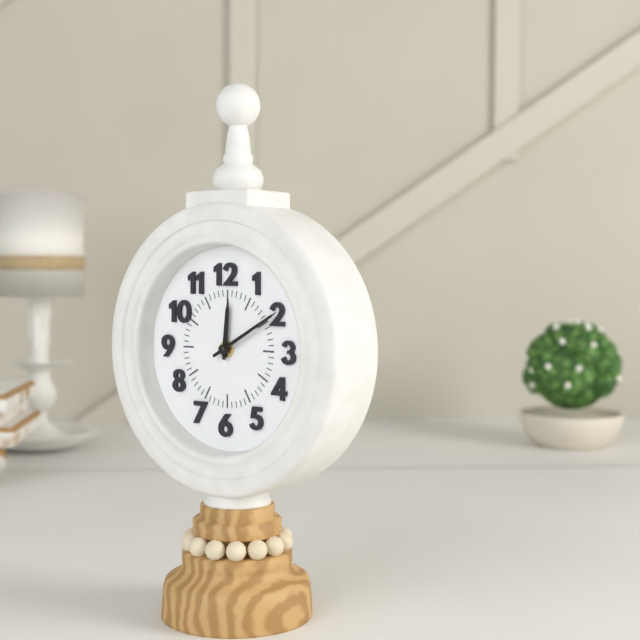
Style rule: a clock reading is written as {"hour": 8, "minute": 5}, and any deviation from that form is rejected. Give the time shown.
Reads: {"hour": 12, "minute": 10}
